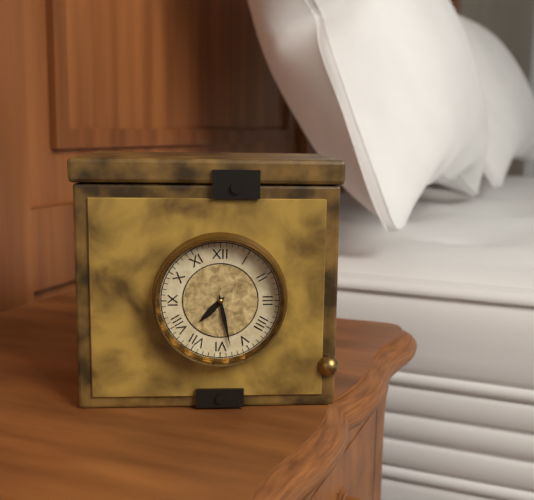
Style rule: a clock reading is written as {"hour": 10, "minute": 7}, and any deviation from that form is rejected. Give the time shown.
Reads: {"hour": 7, "minute": 28}
